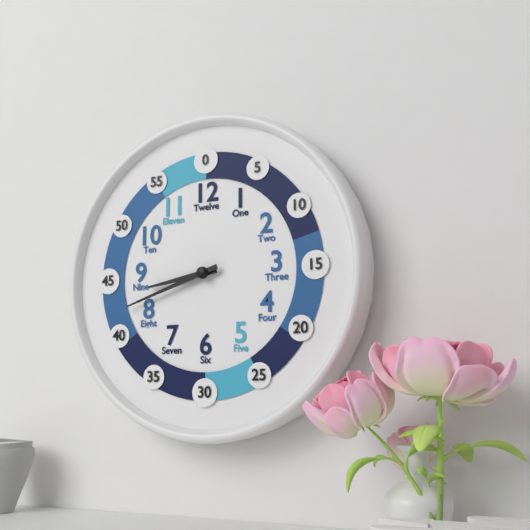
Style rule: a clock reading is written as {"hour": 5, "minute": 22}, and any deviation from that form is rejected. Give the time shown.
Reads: {"hour": 8, "minute": 42}
